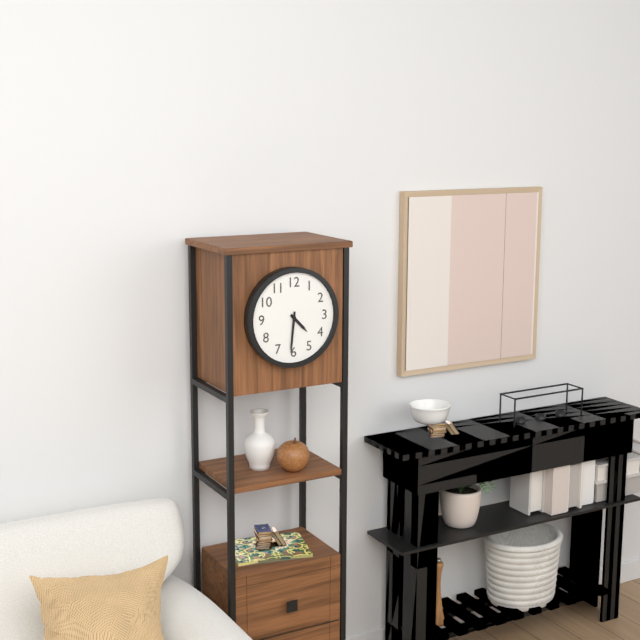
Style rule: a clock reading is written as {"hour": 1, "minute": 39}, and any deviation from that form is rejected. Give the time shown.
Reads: {"hour": 4, "minute": 31}
